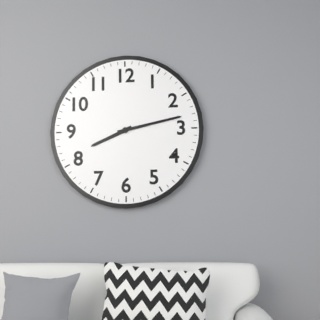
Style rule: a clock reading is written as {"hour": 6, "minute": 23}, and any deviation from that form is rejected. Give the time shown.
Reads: {"hour": 8, "minute": 13}
